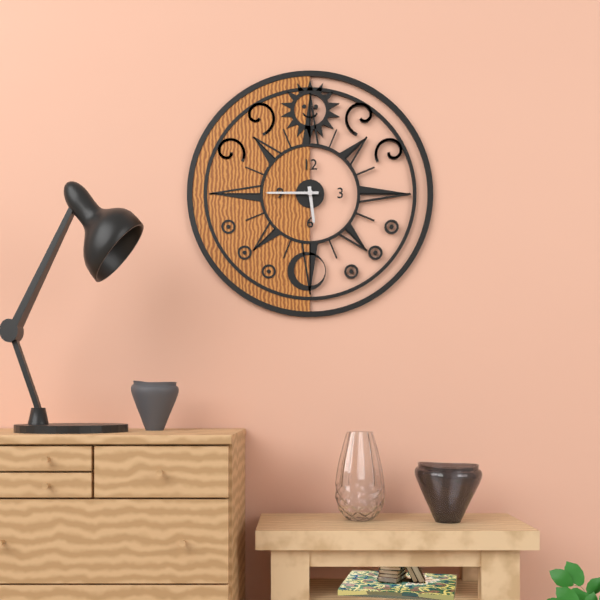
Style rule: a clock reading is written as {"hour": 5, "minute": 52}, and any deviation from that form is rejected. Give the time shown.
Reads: {"hour": 5, "minute": 45}
